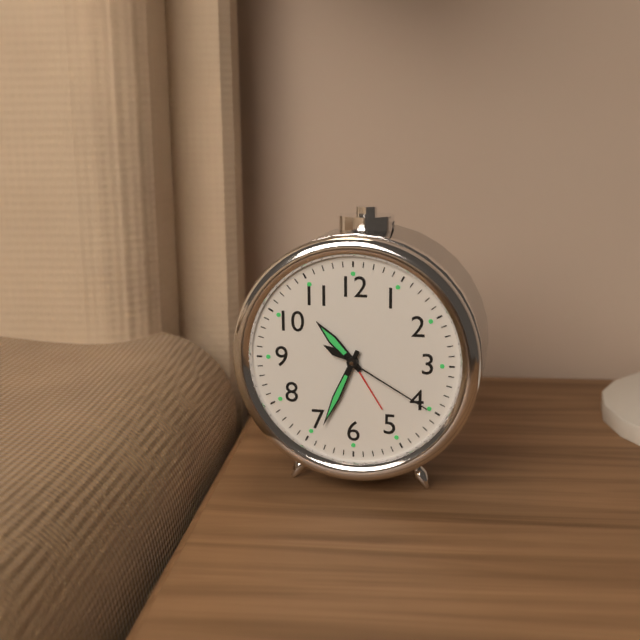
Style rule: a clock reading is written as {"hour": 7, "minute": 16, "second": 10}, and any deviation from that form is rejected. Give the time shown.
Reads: {"hour": 10, "minute": 34, "second": 20}
